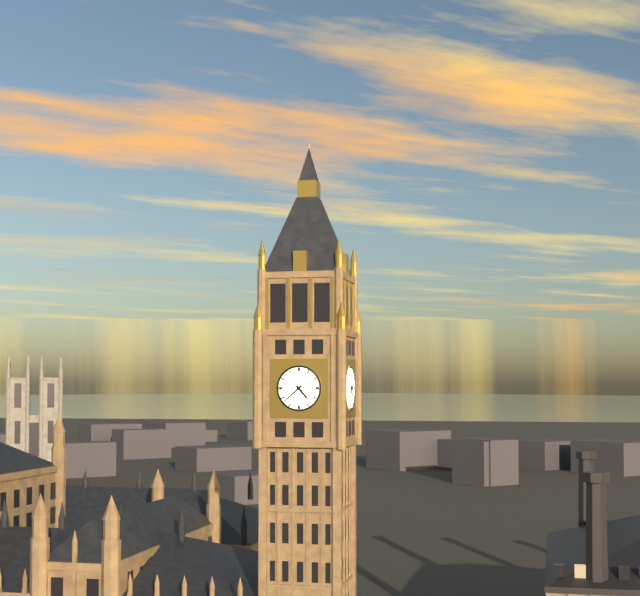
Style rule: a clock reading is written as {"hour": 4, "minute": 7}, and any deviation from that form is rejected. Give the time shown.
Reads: {"hour": 4, "minute": 38}
